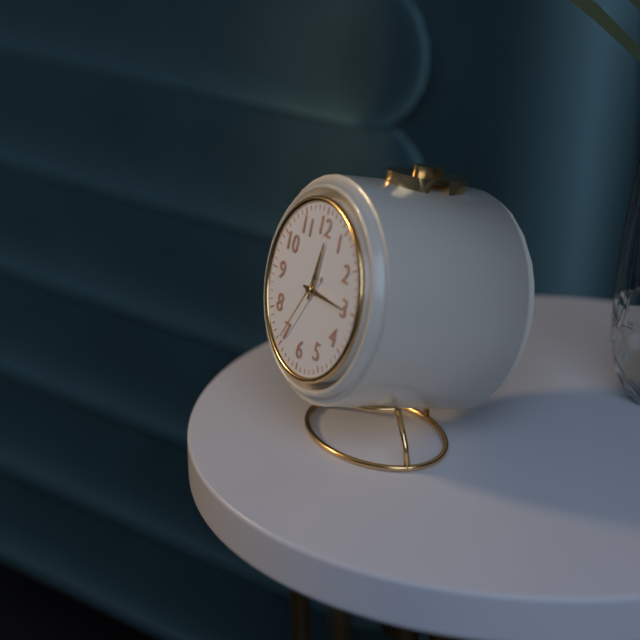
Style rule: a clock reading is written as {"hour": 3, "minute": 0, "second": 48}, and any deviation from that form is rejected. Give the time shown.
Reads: {"hour": 12, "minute": 15, "second": 35}
